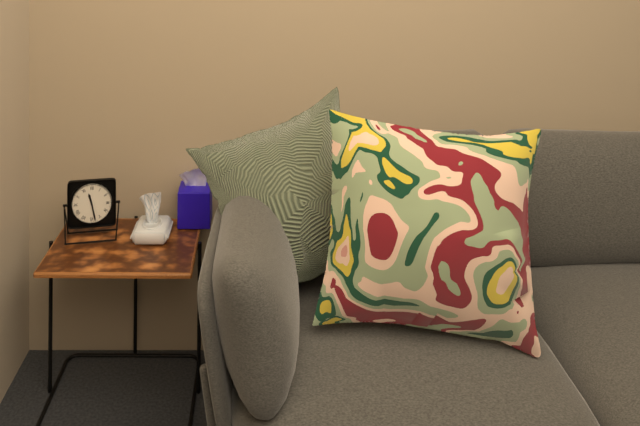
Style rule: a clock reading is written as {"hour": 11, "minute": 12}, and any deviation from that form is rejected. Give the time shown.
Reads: {"hour": 11, "minute": 28}
